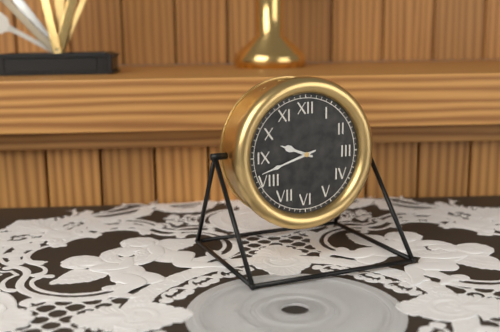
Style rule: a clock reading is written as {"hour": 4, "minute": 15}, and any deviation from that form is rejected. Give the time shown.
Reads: {"hour": 9, "minute": 42}
